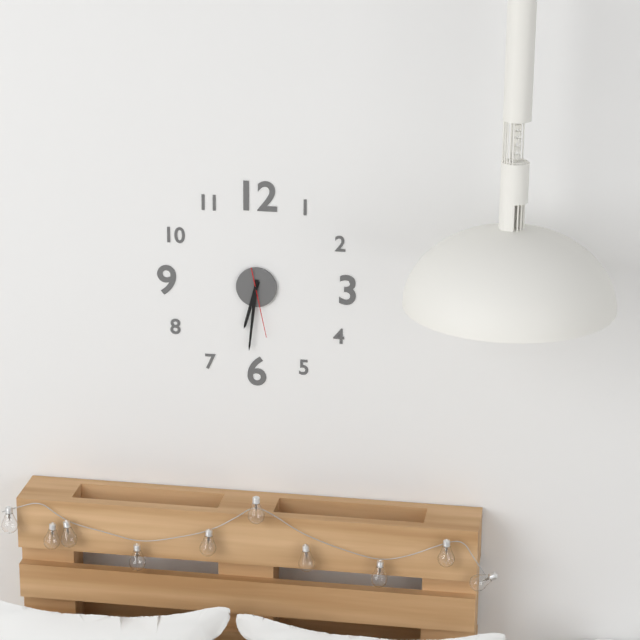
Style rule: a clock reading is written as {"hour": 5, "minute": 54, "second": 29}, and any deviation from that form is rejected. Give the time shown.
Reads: {"hour": 6, "minute": 31, "second": 28}
